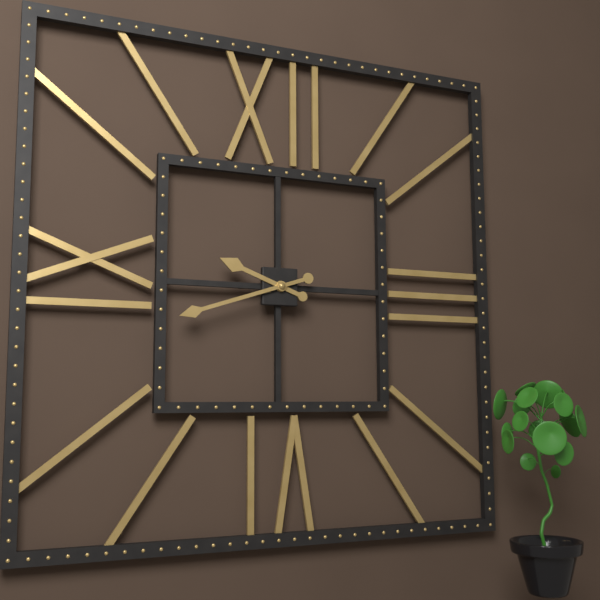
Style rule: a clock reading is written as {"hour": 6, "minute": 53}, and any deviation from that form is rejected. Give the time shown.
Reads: {"hour": 9, "minute": 42}
